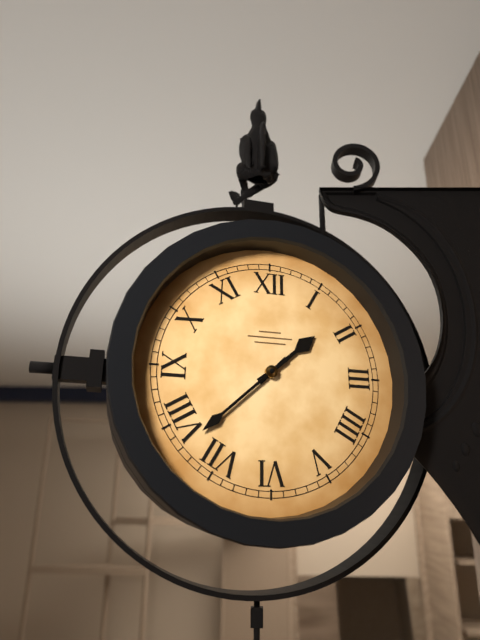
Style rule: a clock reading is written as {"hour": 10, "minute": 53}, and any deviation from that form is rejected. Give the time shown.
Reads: {"hour": 1, "minute": 38}
